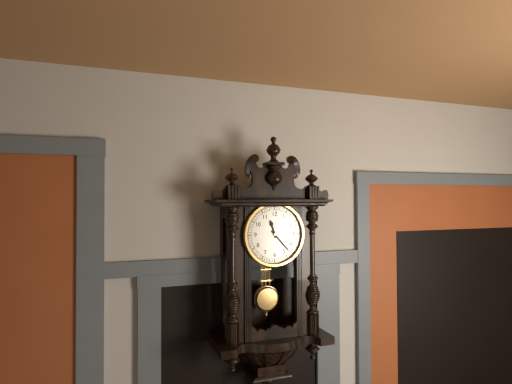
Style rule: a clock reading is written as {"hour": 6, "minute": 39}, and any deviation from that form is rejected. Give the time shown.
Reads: {"hour": 11, "minute": 23}
